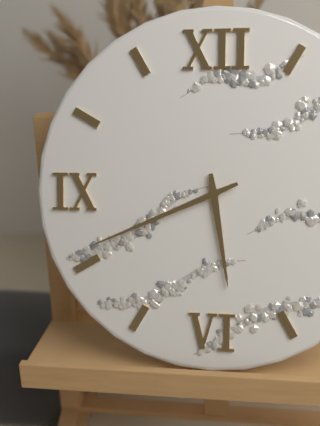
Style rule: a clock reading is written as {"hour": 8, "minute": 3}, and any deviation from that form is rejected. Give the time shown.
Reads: {"hour": 5, "minute": 41}
